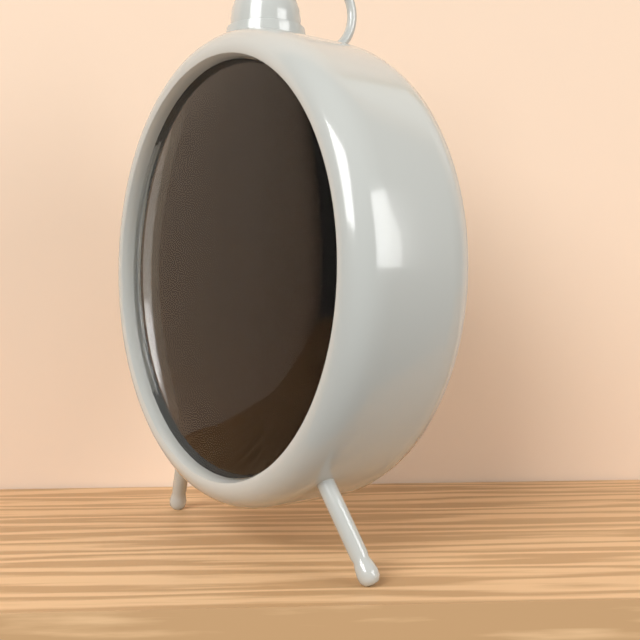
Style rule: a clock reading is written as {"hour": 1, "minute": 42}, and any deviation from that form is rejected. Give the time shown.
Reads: {"hour": 11, "minute": 57}
